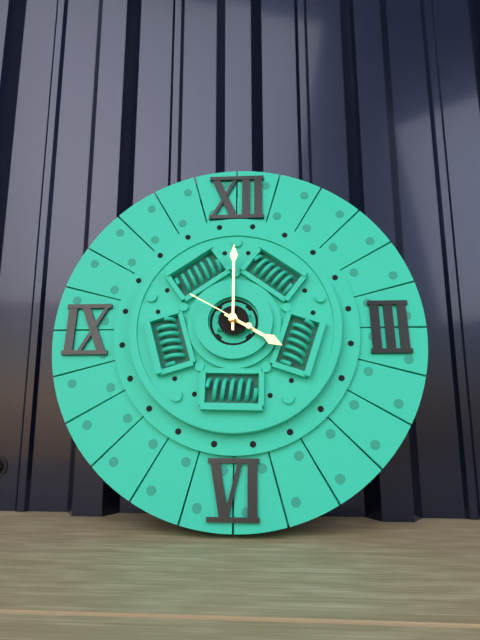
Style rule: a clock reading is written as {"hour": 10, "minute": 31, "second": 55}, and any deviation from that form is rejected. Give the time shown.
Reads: {"hour": 4, "minute": 0, "second": 50}
